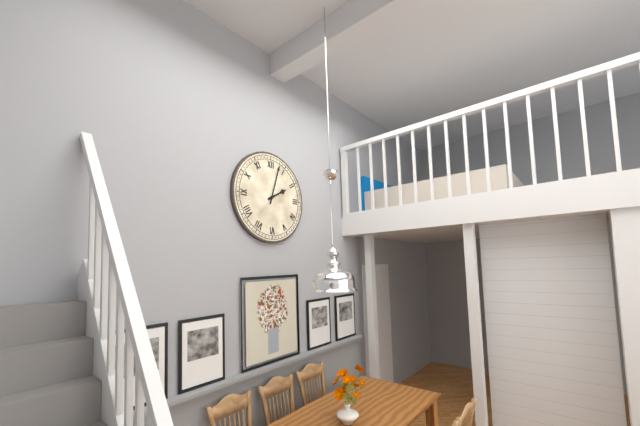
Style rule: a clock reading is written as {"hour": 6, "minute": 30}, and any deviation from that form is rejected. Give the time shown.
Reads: {"hour": 2, "minute": 3}
